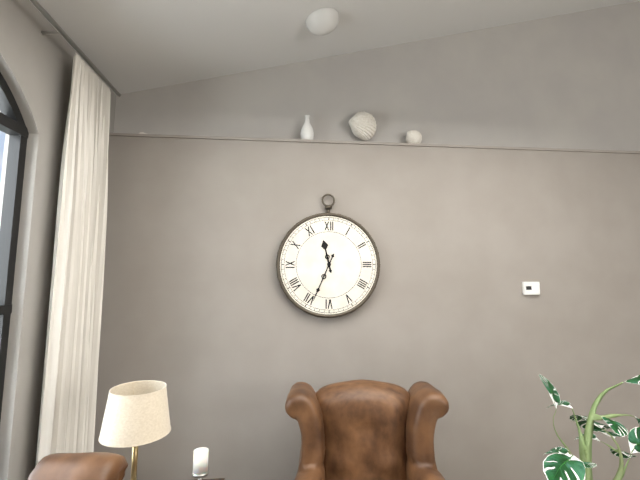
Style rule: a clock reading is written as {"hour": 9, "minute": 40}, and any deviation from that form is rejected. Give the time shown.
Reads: {"hour": 11, "minute": 34}
